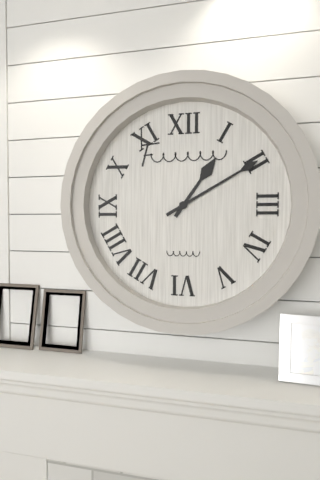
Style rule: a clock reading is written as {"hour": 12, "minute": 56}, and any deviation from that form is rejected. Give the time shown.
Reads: {"hour": 1, "minute": 10}
